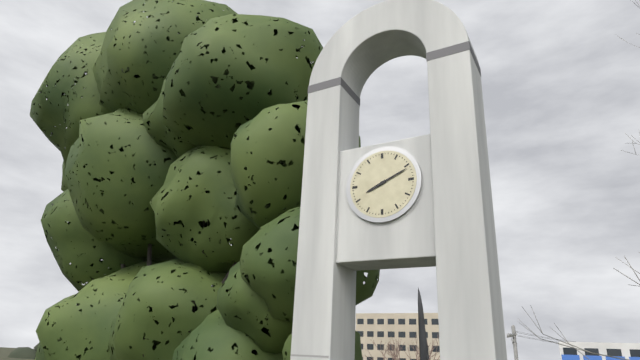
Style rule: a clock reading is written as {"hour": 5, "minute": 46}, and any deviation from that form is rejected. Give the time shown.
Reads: {"hour": 8, "minute": 11}
